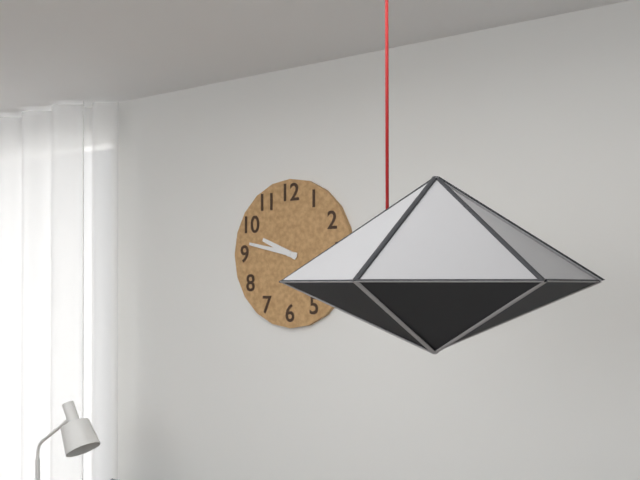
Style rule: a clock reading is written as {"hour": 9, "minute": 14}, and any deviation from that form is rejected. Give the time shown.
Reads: {"hour": 9, "minute": 47}
